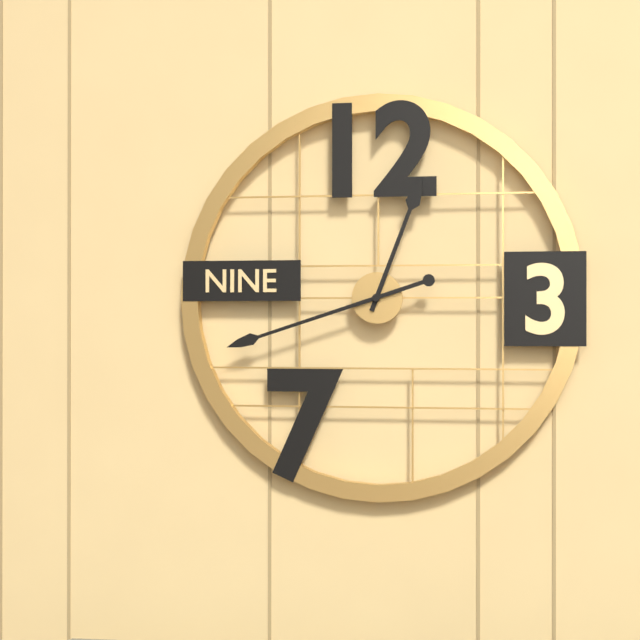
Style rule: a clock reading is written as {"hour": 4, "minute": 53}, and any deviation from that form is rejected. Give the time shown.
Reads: {"hour": 12, "minute": 42}
